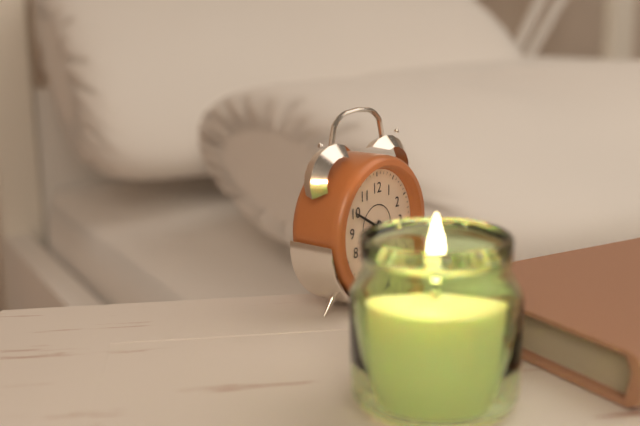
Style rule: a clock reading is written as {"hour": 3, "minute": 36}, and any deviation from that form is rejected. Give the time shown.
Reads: {"hour": 6, "minute": 50}
